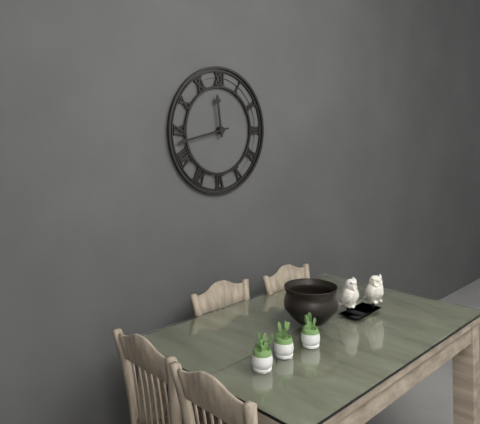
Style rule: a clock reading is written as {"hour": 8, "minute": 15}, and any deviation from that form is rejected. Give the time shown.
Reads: {"hour": 11, "minute": 43}
